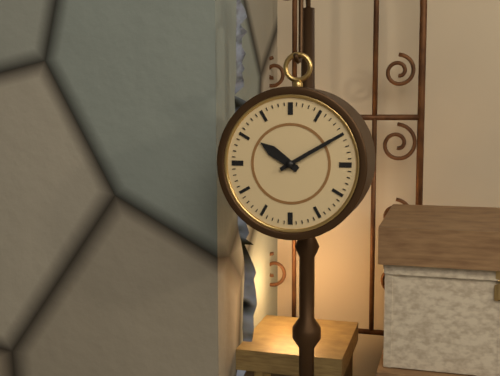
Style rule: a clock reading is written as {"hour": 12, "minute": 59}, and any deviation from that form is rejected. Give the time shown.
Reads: {"hour": 10, "minute": 10}
